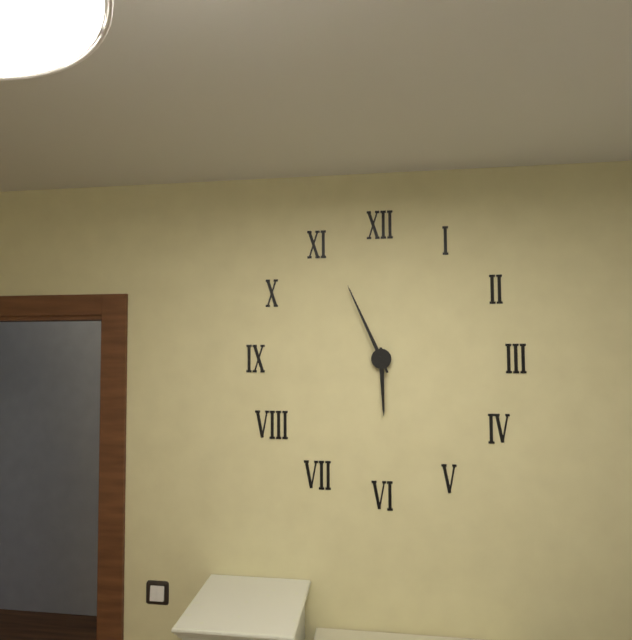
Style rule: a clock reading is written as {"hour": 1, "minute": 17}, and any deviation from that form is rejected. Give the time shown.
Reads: {"hour": 5, "minute": 56}
